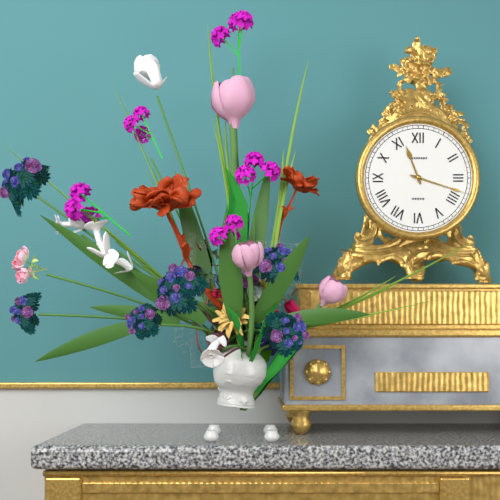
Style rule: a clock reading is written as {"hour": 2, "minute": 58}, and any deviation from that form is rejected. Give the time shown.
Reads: {"hour": 11, "minute": 18}
